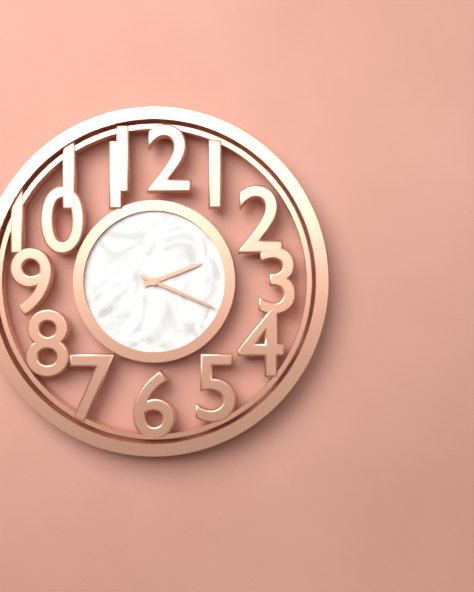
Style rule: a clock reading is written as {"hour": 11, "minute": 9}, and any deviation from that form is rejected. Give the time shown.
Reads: {"hour": 2, "minute": 19}
